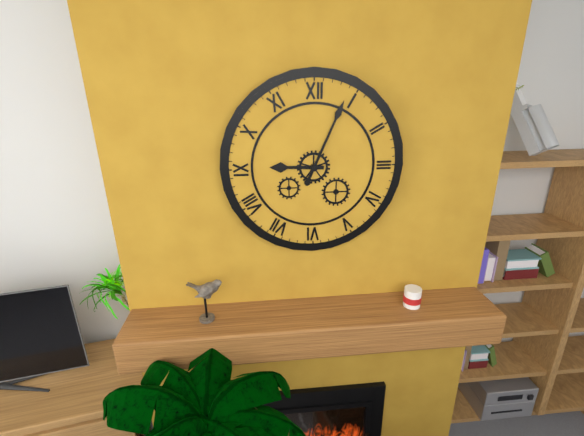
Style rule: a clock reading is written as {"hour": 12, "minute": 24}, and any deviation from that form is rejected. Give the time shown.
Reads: {"hour": 9, "minute": 4}
